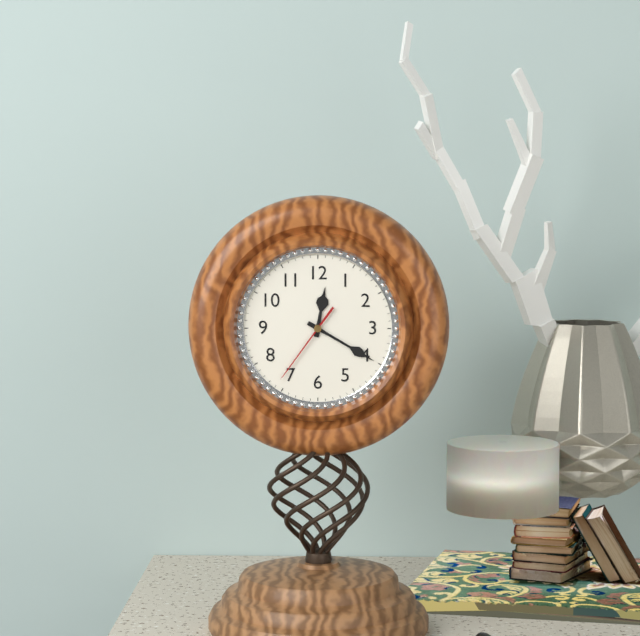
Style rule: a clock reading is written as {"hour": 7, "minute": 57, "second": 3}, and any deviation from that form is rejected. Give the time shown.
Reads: {"hour": 12, "minute": 20, "second": 36}
